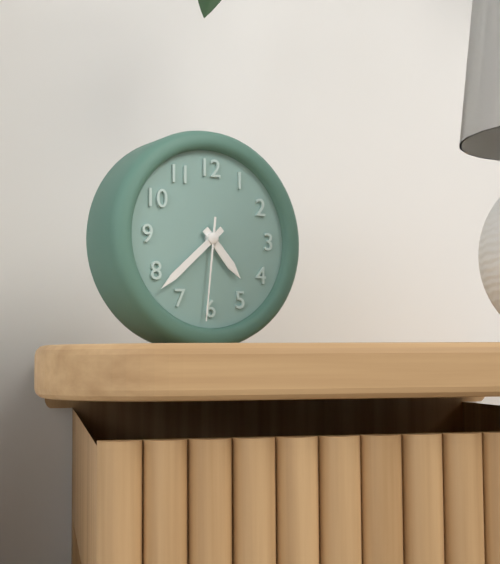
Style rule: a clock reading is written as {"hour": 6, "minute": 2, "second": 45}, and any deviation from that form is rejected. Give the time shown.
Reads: {"hour": 4, "minute": 38, "second": 31}
